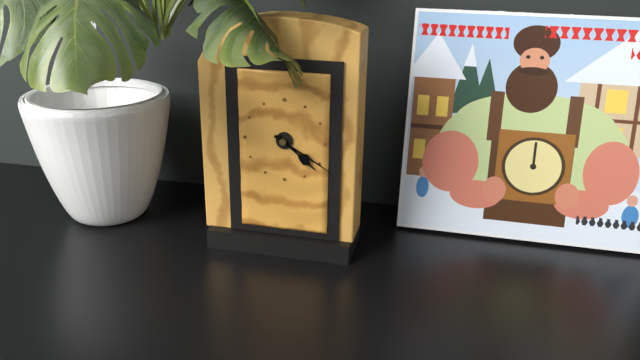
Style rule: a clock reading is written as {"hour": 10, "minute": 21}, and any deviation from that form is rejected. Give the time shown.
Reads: {"hour": 4, "minute": 20}
